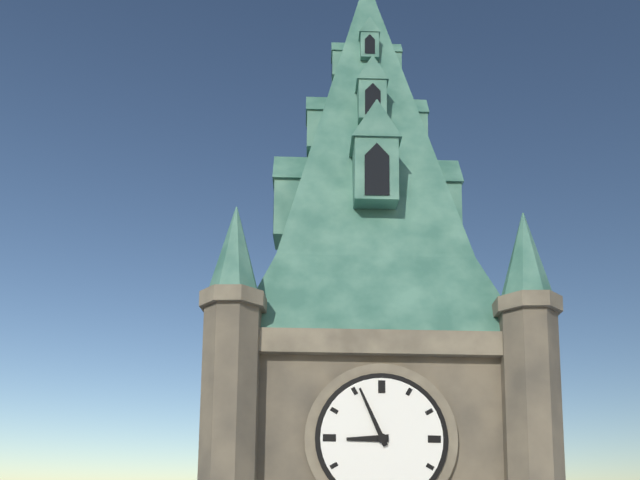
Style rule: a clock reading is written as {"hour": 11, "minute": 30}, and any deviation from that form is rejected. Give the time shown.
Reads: {"hour": 8, "minute": 56}
